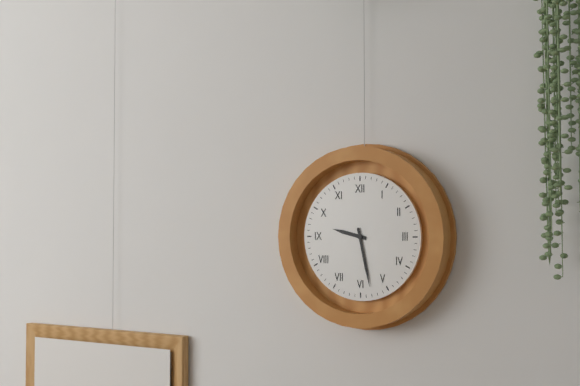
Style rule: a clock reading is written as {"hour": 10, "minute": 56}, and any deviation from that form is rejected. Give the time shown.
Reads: {"hour": 9, "minute": 28}
